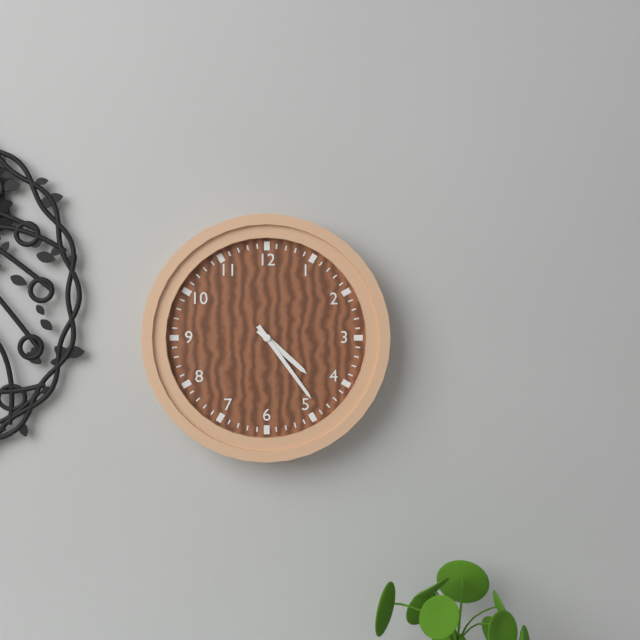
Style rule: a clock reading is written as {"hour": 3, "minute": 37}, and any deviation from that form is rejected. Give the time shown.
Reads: {"hour": 4, "minute": 24}
